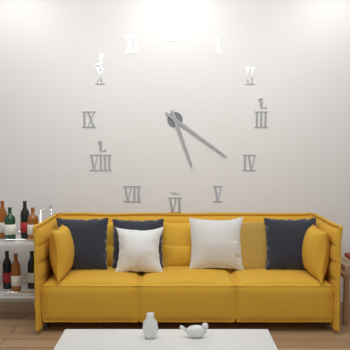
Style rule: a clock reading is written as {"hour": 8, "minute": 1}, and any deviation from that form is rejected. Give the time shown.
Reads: {"hour": 5, "minute": 21}
